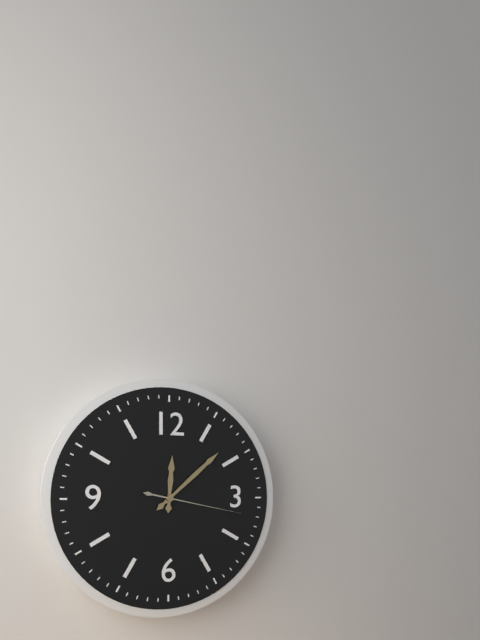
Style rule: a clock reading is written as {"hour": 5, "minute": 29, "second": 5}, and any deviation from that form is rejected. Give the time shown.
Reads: {"hour": 12, "minute": 8, "second": 17}
